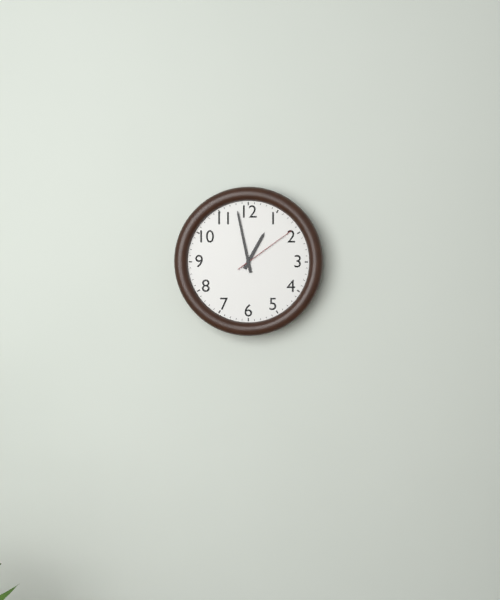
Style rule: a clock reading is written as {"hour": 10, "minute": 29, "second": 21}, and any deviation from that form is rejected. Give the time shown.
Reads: {"hour": 12, "minute": 58, "second": 9}
